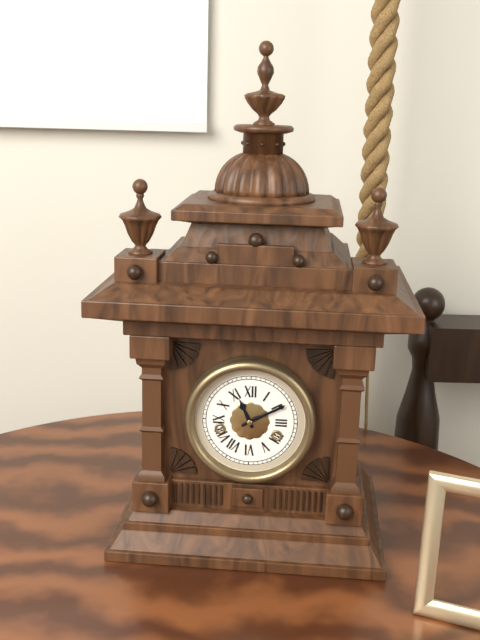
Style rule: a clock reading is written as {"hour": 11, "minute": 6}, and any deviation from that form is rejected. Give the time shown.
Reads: {"hour": 11, "minute": 10}
